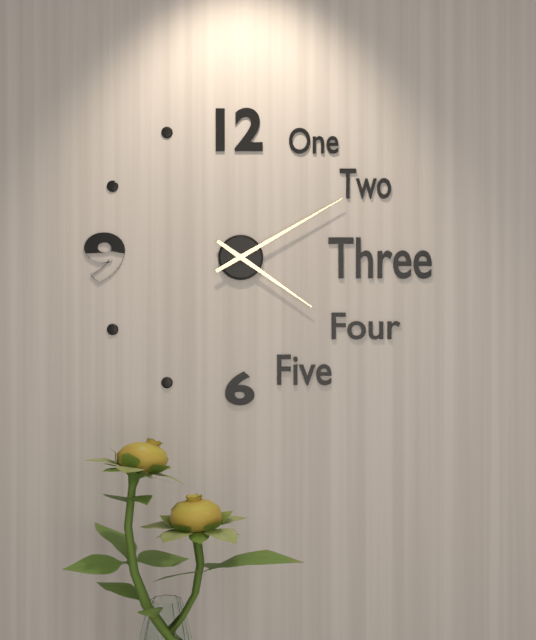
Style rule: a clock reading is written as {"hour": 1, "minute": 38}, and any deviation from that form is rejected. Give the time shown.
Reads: {"hour": 4, "minute": 10}
